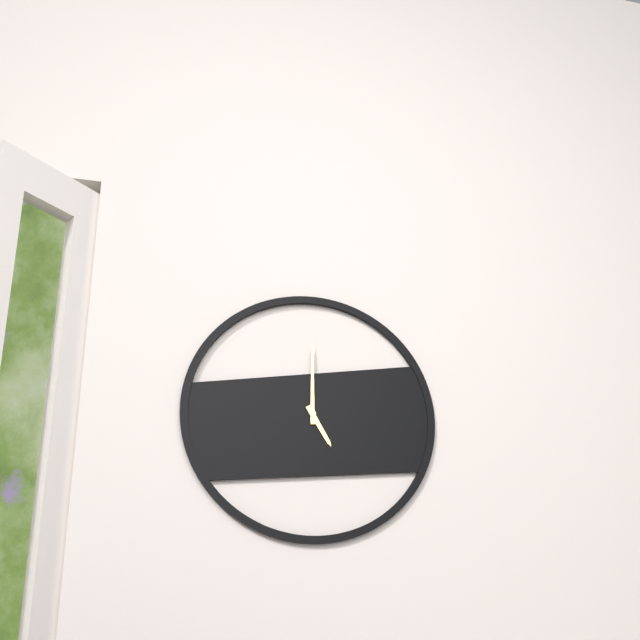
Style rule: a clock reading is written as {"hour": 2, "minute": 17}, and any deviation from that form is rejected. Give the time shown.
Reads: {"hour": 5, "minute": 0}
